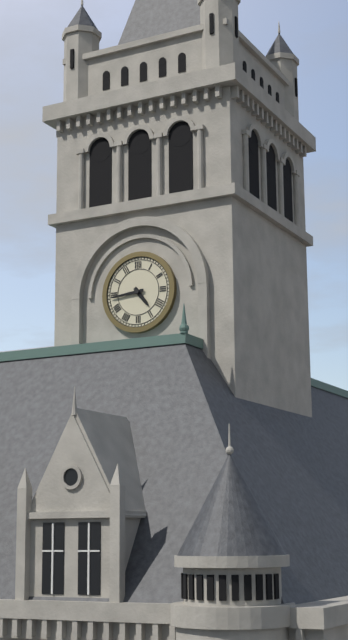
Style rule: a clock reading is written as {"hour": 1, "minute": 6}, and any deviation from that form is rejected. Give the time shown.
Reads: {"hour": 4, "minute": 44}
